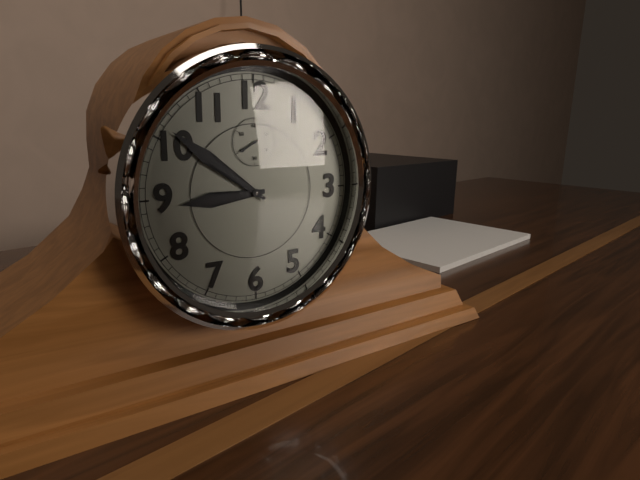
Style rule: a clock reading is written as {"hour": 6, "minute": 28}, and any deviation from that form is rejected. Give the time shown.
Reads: {"hour": 8, "minute": 51}
